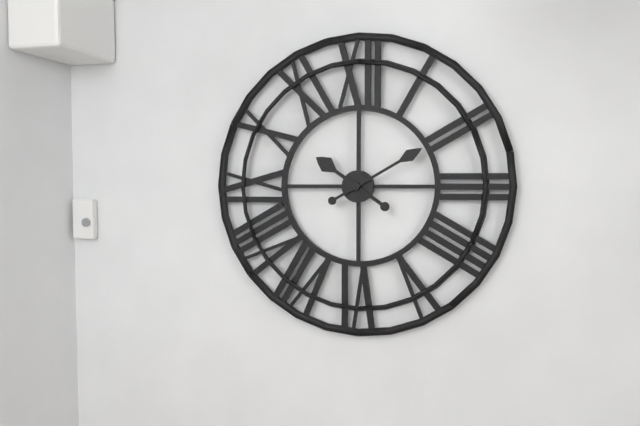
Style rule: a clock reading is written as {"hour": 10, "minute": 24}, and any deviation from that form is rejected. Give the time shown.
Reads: {"hour": 10, "minute": 10}
